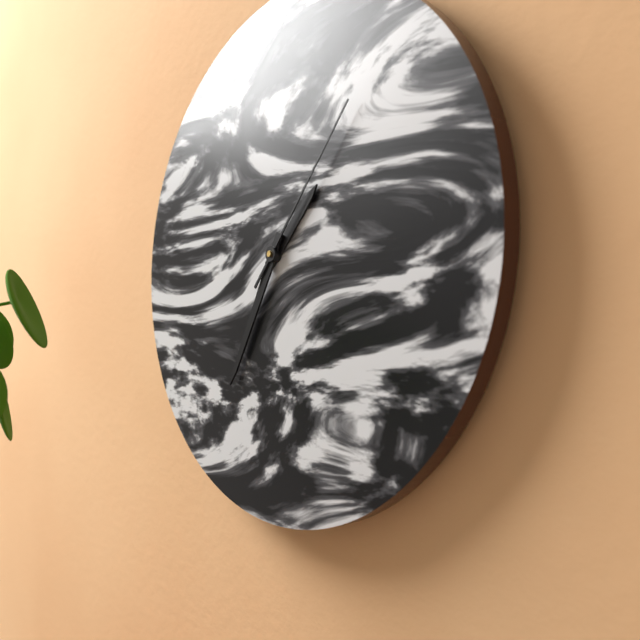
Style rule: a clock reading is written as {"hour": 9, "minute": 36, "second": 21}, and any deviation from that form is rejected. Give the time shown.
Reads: {"hour": 1, "minute": 35, "second": 7}
